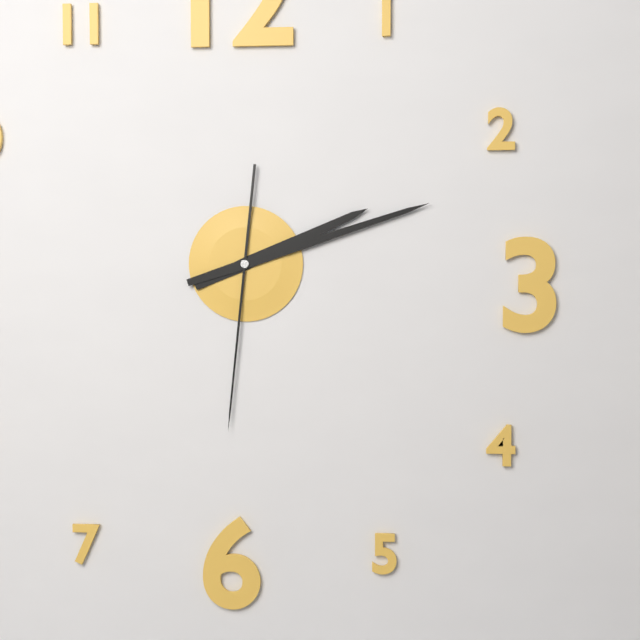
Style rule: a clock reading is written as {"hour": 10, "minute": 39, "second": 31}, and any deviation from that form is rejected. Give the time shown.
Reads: {"hour": 2, "minute": 12, "second": 31}
